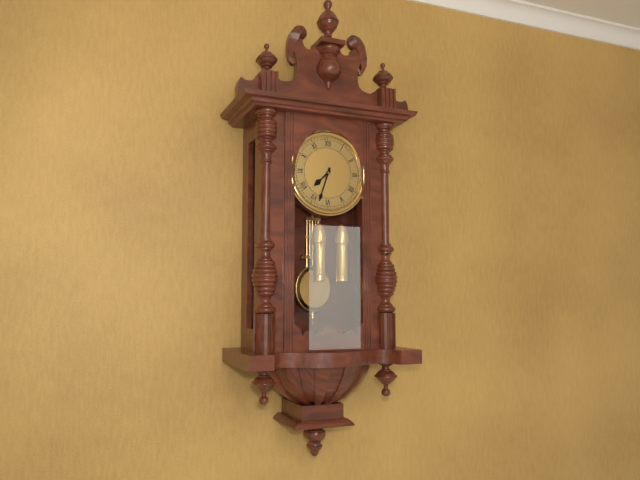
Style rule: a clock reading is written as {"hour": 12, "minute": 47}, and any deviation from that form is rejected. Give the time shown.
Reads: {"hour": 7, "minute": 33}
